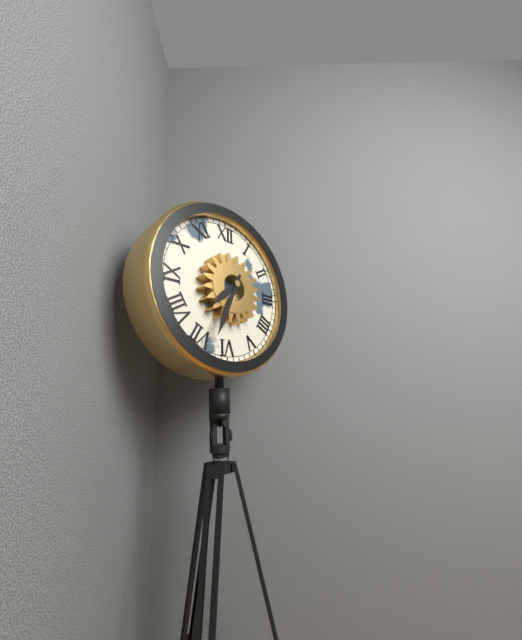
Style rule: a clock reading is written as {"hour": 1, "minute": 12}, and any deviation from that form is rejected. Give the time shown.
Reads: {"hour": 7, "minute": 34}
